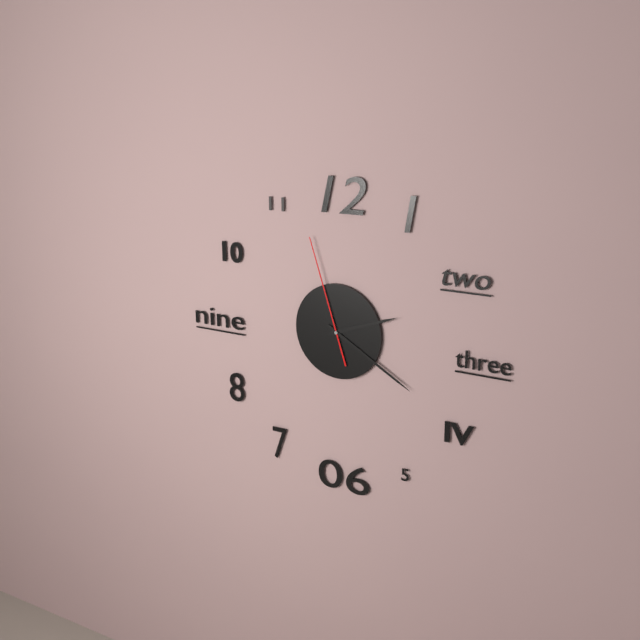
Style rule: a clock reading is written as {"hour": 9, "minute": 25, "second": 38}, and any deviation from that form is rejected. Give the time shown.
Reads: {"hour": 2, "minute": 20, "second": 57}
